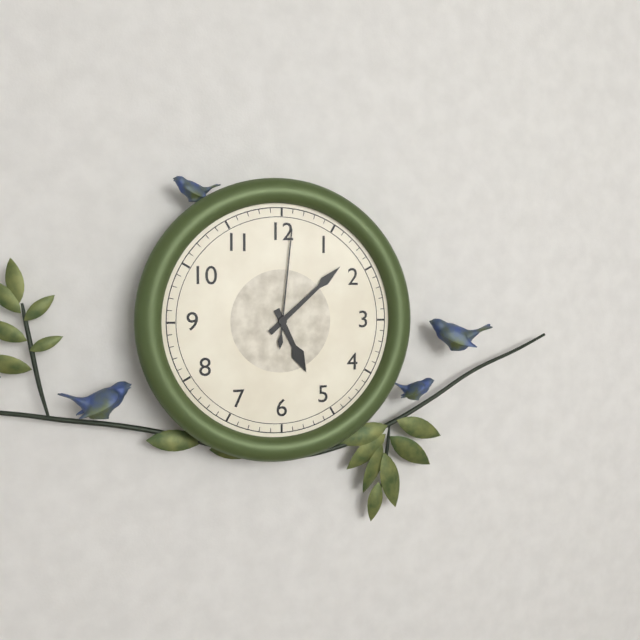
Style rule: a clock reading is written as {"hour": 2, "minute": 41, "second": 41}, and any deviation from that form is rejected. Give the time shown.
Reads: {"hour": 5, "minute": 8, "second": 1}
